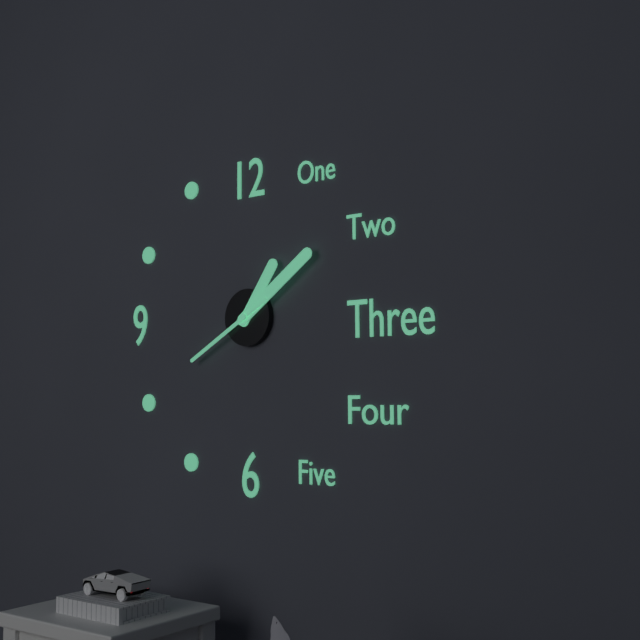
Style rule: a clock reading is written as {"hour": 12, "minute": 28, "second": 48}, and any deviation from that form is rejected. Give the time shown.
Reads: {"hour": 1, "minute": 9, "second": 40}
